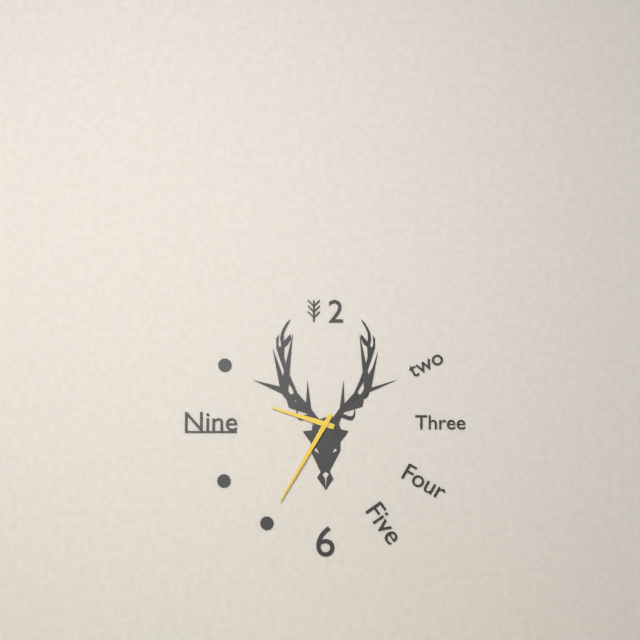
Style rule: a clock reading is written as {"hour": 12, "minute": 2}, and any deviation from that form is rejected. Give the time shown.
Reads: {"hour": 9, "minute": 35}
